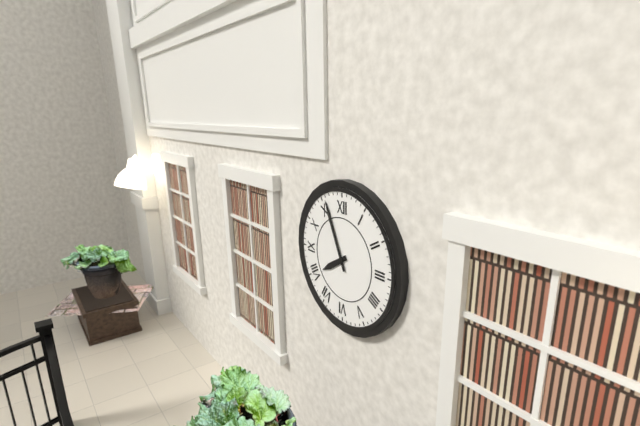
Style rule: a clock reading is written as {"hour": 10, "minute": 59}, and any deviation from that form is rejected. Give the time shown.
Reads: {"hour": 7, "minute": 56}
